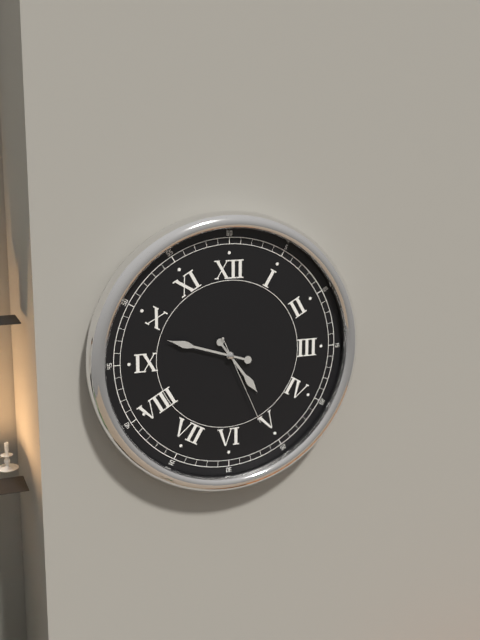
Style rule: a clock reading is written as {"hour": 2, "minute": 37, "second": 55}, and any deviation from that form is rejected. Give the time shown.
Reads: {"hour": 4, "minute": 48, "second": 26}
